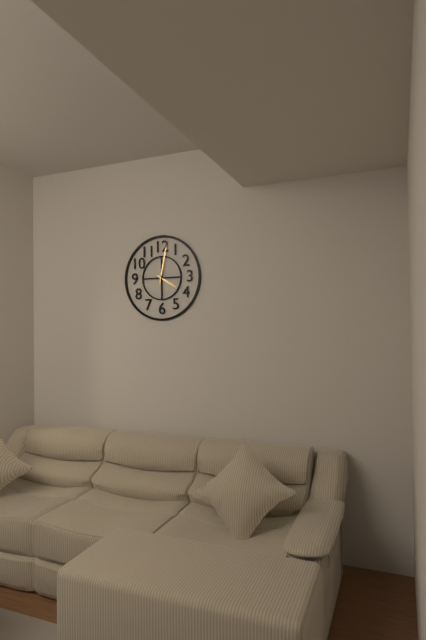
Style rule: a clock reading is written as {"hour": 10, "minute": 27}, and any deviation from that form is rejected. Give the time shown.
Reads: {"hour": 4, "minute": 2}
